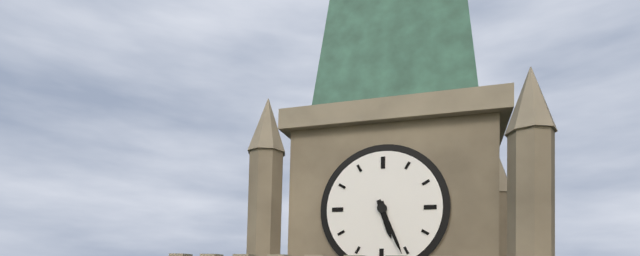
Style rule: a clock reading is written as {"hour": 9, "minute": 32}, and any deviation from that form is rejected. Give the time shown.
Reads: {"hour": 5, "minute": 26}
